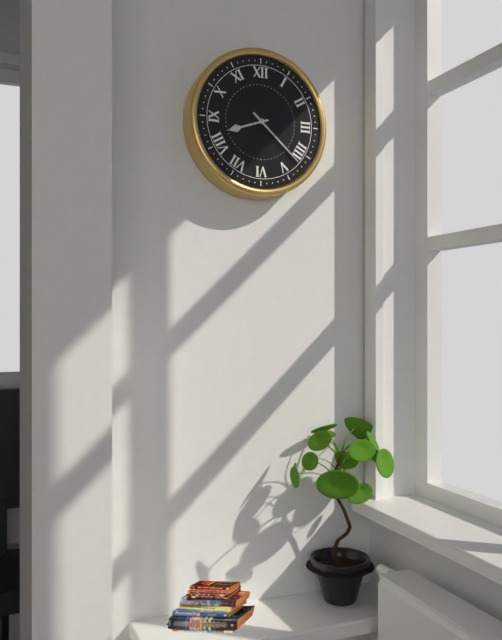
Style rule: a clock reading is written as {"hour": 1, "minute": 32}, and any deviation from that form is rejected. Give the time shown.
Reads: {"hour": 8, "minute": 22}
